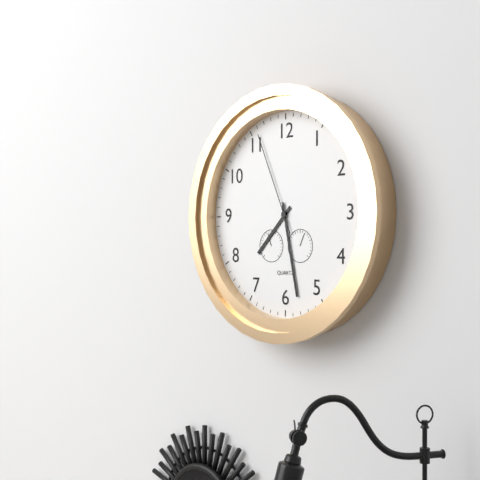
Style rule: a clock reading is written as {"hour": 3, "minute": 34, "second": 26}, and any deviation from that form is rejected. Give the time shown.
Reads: {"hour": 7, "minute": 28, "second": 56}
